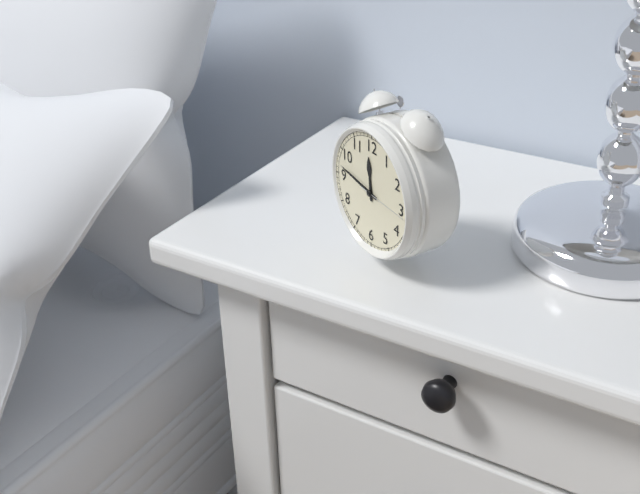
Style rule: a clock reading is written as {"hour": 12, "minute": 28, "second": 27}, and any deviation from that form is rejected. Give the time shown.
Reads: {"hour": 11, "minute": 47, "second": 16}
